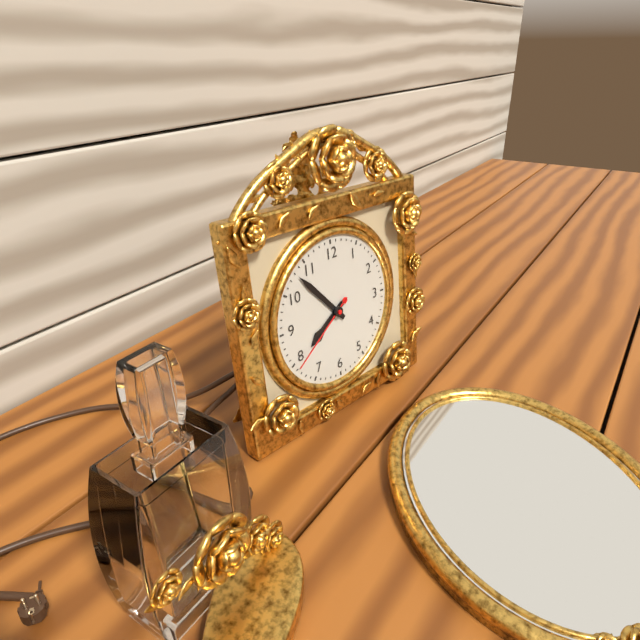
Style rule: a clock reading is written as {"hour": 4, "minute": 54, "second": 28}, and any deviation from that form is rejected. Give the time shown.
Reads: {"hour": 7, "minute": 53, "second": 39}
